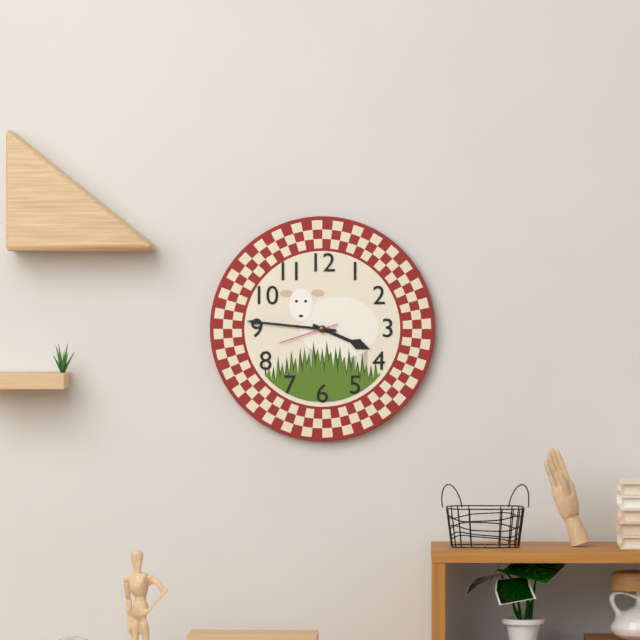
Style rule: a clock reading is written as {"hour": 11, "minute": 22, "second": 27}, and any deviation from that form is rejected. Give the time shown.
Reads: {"hour": 3, "minute": 46, "second": 42}
